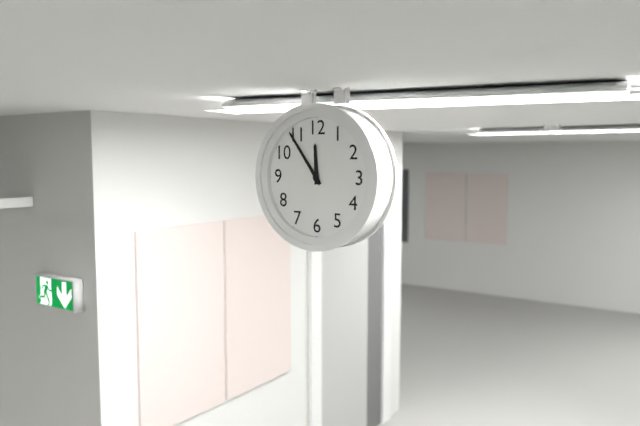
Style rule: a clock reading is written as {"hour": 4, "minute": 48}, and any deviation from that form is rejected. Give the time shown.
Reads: {"hour": 11, "minute": 54}
